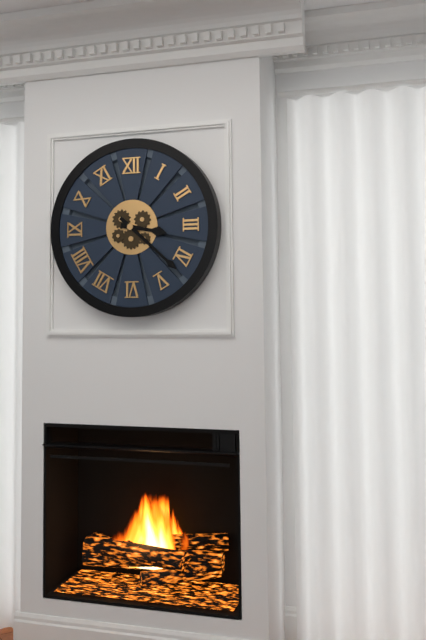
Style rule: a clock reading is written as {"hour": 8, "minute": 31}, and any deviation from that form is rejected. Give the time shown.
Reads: {"hour": 3, "minute": 22}
